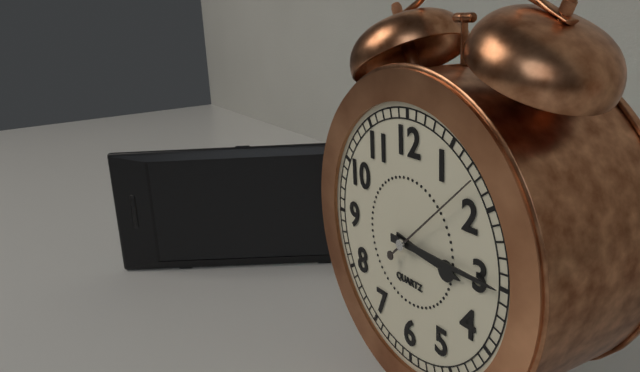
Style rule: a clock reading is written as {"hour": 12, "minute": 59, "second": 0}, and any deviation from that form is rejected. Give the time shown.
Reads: {"hour": 3, "minute": 15, "second": 8}
